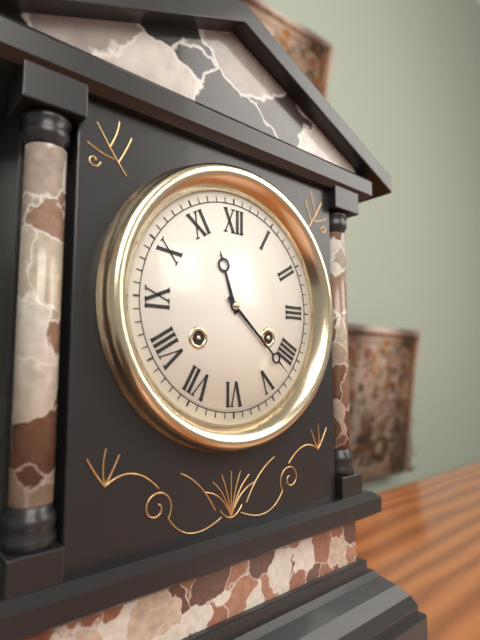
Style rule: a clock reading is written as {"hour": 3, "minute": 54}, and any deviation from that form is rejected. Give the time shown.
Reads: {"hour": 11, "minute": 22}
